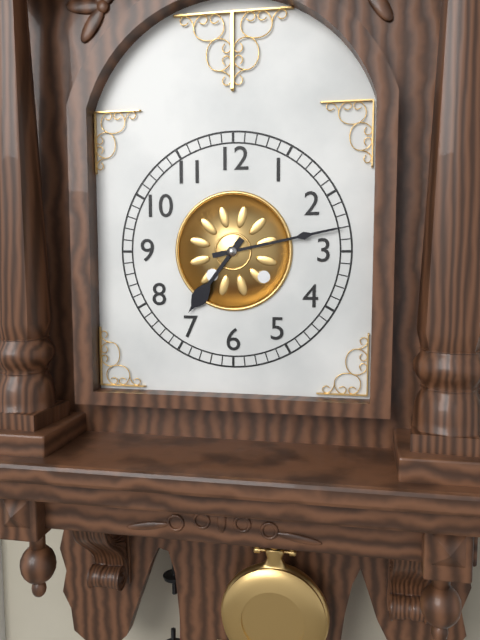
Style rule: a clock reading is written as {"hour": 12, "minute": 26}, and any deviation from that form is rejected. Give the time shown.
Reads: {"hour": 7, "minute": 13}
